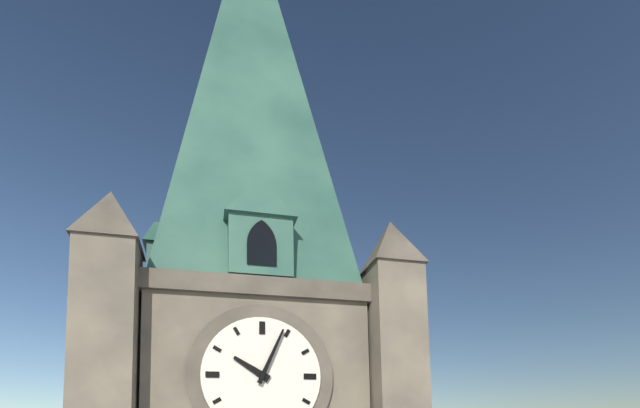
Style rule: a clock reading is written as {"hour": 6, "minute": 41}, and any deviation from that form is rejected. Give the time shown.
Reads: {"hour": 10, "minute": 4}
